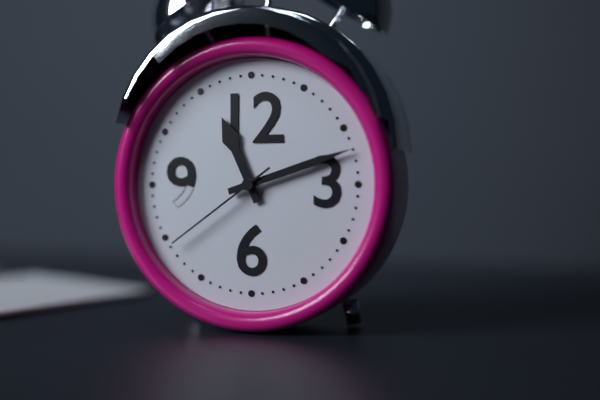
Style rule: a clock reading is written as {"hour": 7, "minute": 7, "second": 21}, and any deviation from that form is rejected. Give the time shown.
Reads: {"hour": 11, "minute": 12, "second": 39}
